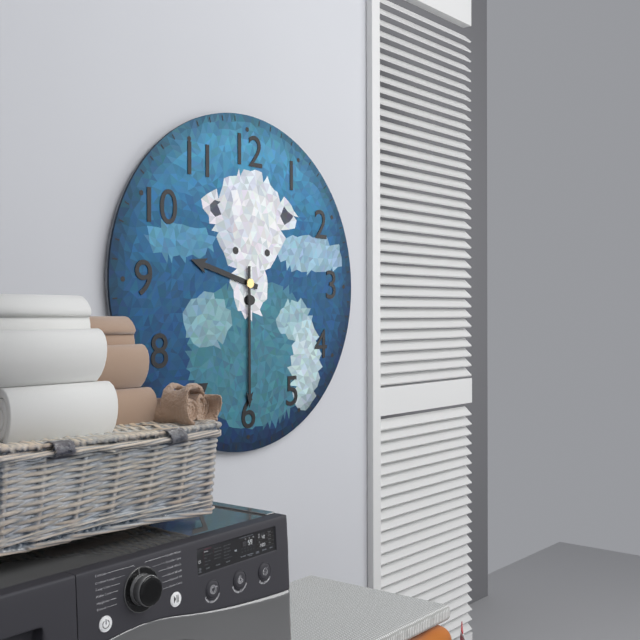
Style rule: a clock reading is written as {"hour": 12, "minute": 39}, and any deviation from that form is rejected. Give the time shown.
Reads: {"hour": 9, "minute": 30}
